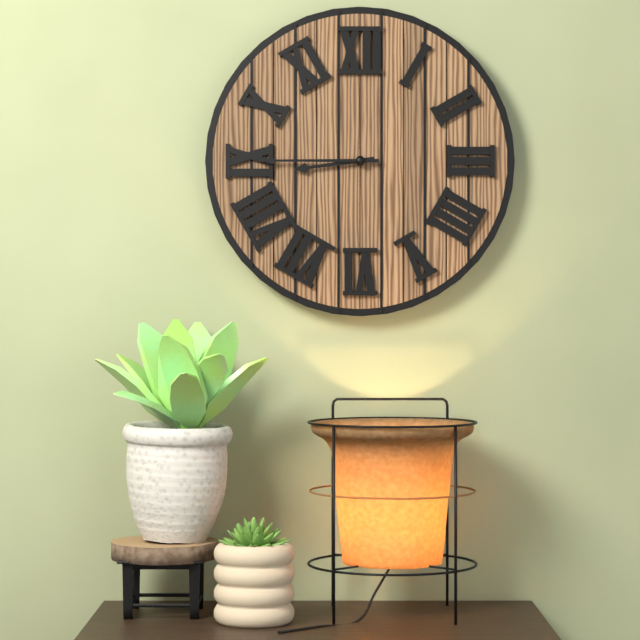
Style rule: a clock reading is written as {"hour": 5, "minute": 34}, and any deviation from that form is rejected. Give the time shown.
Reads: {"hour": 8, "minute": 45}
